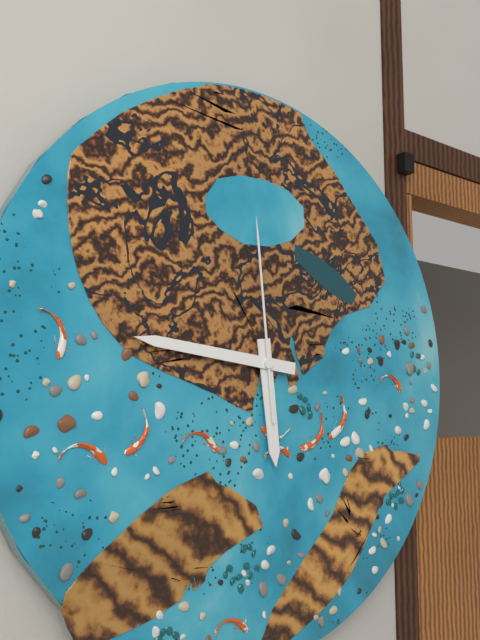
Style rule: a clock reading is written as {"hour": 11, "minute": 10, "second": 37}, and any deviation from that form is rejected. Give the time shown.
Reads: {"hour": 5, "minute": 46, "second": 59}
